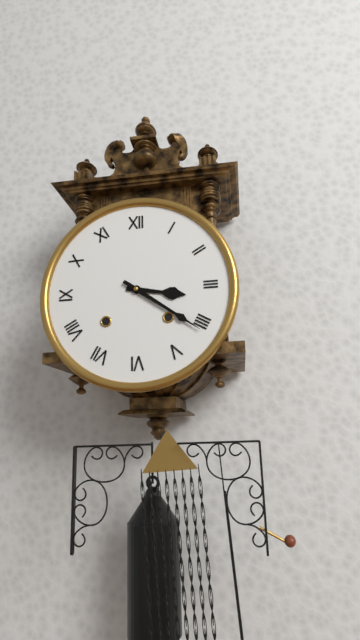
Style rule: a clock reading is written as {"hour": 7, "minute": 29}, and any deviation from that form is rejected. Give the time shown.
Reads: {"hour": 3, "minute": 21}
